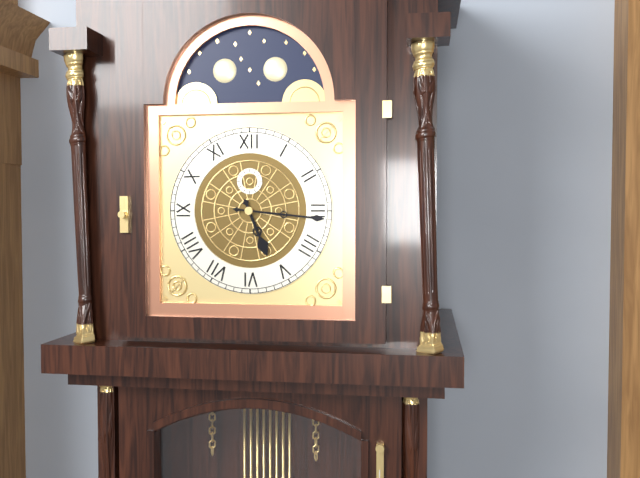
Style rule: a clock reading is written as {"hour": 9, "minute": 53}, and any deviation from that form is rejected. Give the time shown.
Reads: {"hour": 5, "minute": 16}
